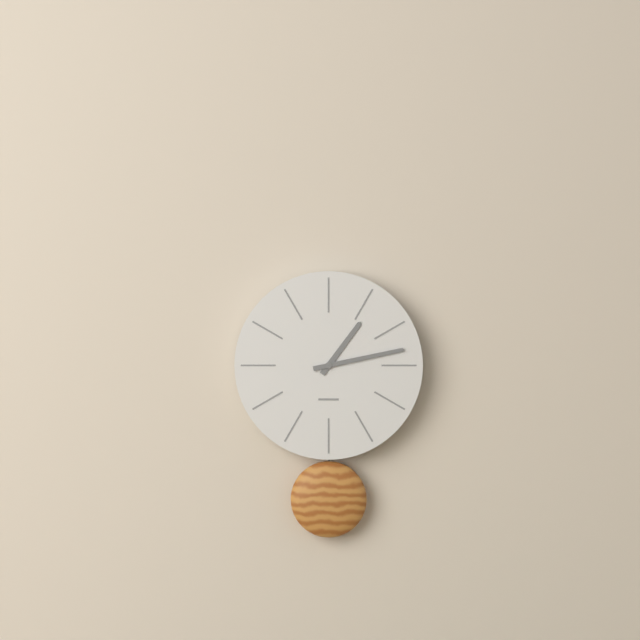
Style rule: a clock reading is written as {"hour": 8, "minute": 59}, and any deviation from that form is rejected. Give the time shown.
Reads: {"hour": 1, "minute": 13}
